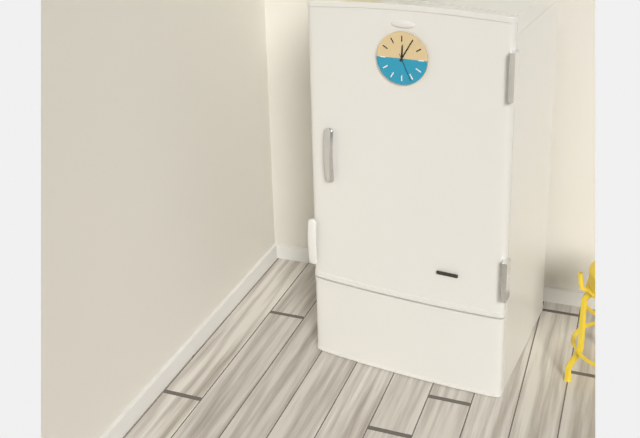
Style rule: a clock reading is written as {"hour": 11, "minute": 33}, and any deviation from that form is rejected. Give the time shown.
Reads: {"hour": 12, "minute": 5}
